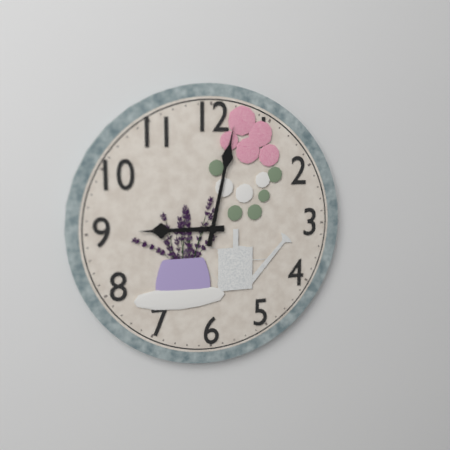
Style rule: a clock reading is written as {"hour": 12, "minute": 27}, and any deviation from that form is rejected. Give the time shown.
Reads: {"hour": 9, "minute": 2}
